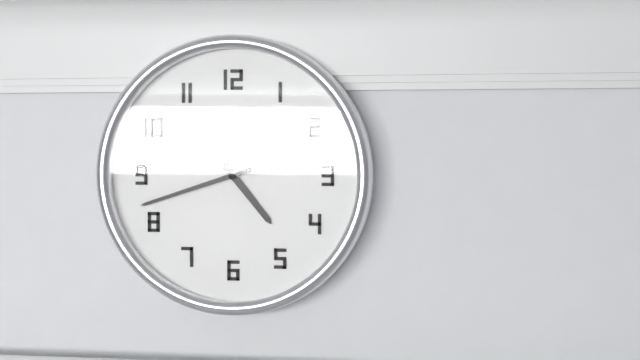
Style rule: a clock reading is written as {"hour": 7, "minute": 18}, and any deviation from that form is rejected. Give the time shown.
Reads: {"hour": 4, "minute": 42}
